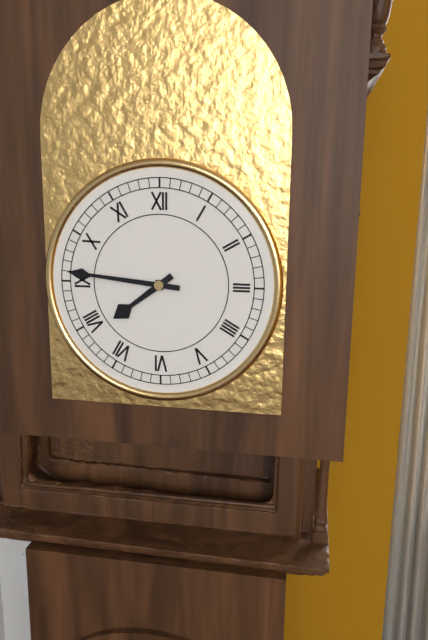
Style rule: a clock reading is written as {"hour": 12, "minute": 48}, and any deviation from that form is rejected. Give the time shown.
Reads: {"hour": 7, "minute": 46}
